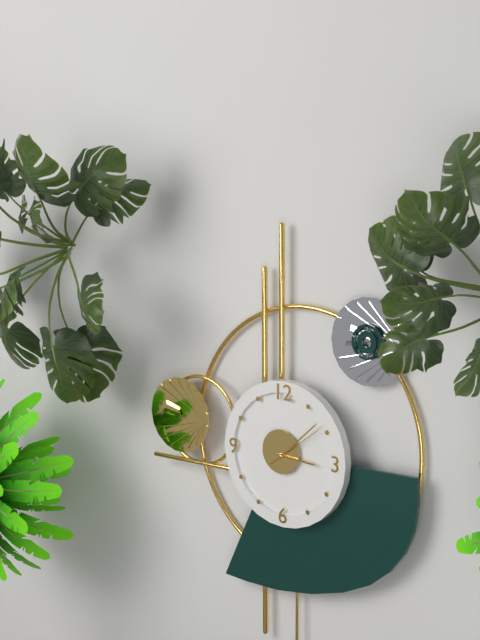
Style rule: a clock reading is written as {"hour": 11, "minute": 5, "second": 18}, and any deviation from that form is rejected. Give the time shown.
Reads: {"hour": 3, "minute": 8, "second": 9}
